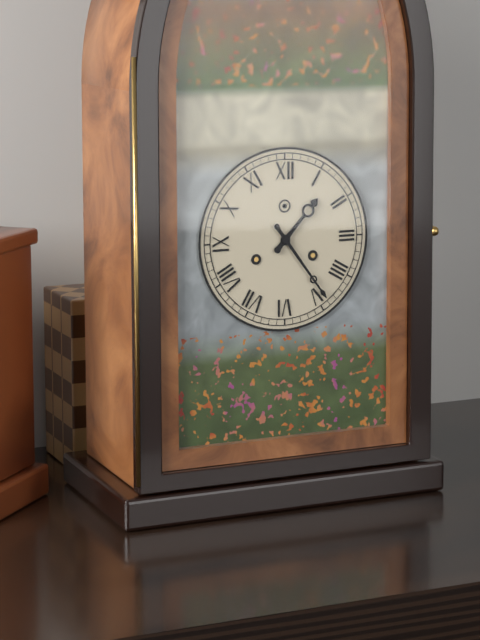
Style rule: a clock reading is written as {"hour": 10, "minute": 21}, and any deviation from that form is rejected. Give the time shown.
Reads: {"hour": 1, "minute": 24}
